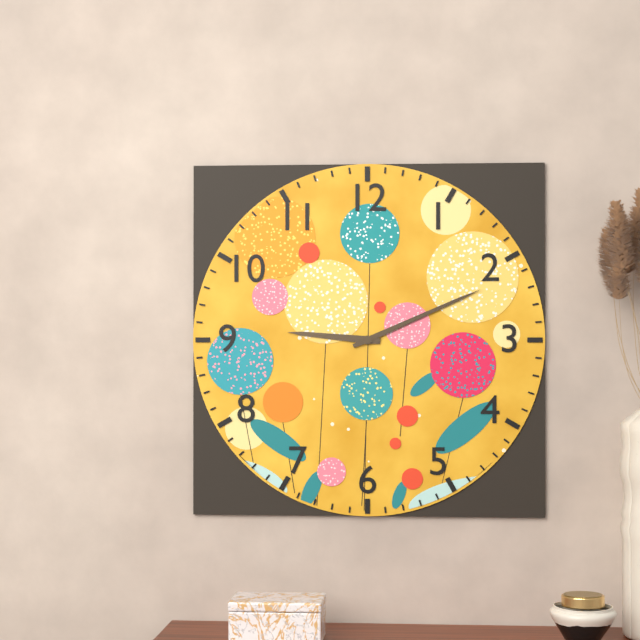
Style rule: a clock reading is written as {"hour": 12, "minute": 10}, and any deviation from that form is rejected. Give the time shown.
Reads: {"hour": 9, "minute": 11}
